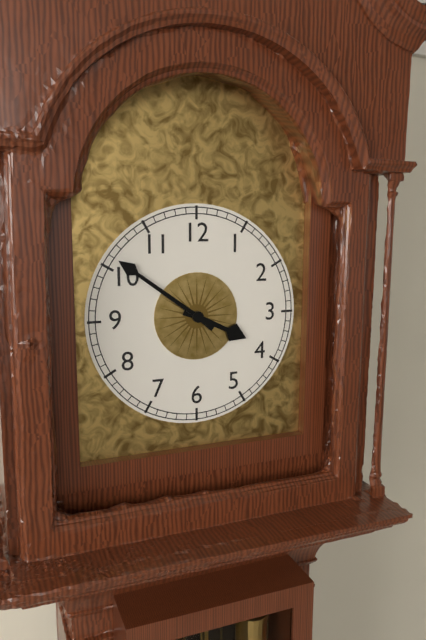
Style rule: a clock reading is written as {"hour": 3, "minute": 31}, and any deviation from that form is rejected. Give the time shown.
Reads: {"hour": 3, "minute": 51}
